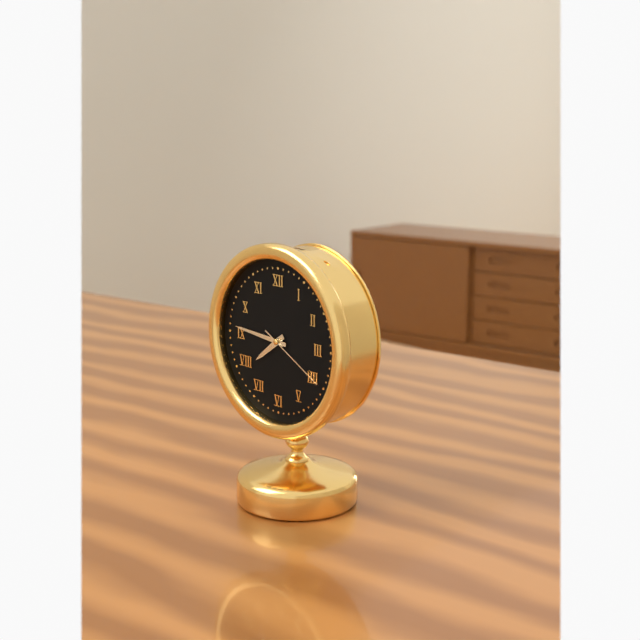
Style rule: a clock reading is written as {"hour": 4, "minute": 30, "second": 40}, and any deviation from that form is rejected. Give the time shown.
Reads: {"hour": 7, "minute": 46, "second": 20}
